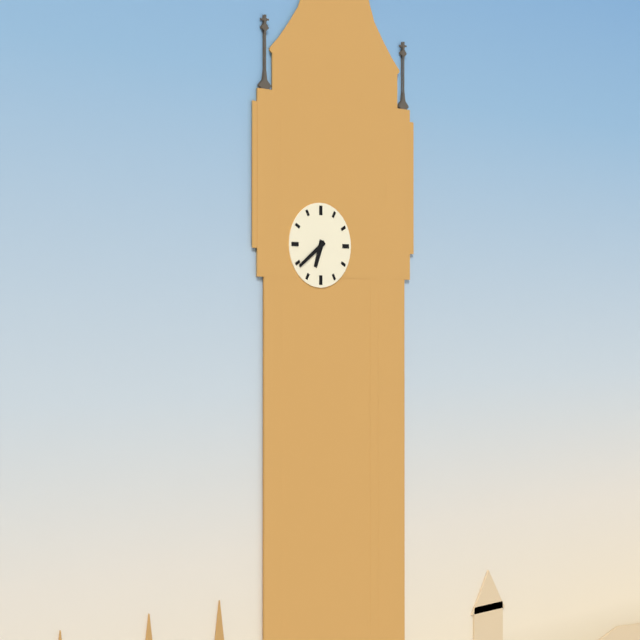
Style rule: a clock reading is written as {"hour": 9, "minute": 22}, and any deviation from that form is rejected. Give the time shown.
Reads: {"hour": 6, "minute": 39}
